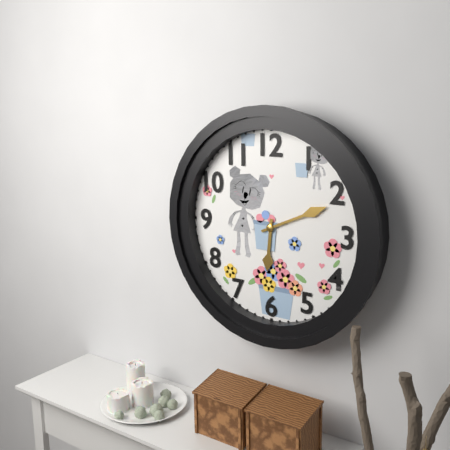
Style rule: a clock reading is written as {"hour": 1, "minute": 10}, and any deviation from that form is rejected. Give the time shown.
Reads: {"hour": 6, "minute": 11}
